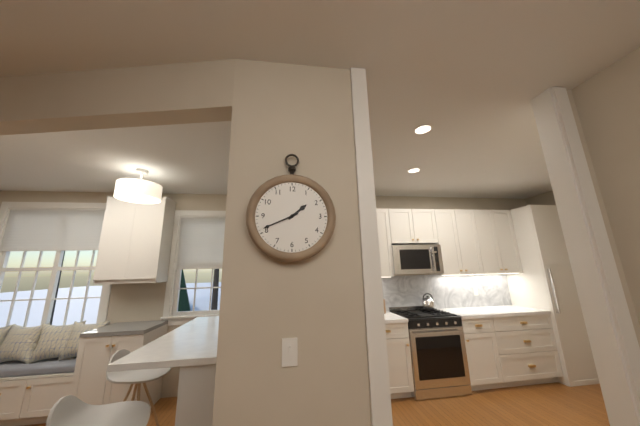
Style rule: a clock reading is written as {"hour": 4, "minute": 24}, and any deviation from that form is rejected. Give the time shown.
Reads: {"hour": 1, "minute": 41}
